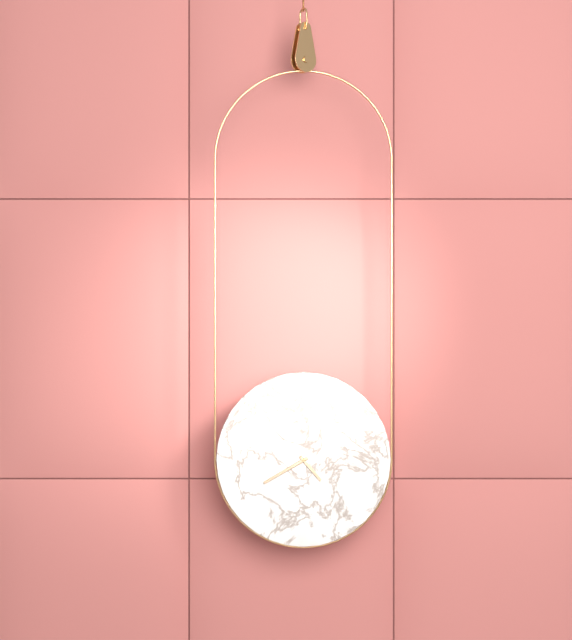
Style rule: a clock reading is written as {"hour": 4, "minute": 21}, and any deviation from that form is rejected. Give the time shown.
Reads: {"hour": 4, "minute": 40}
